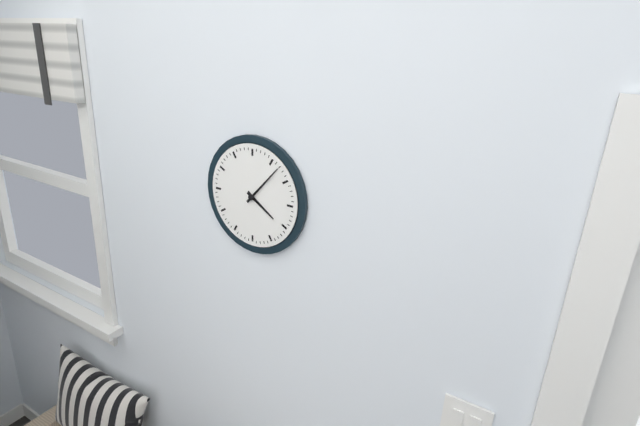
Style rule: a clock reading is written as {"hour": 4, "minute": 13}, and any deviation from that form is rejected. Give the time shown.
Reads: {"hour": 4, "minute": 7}
